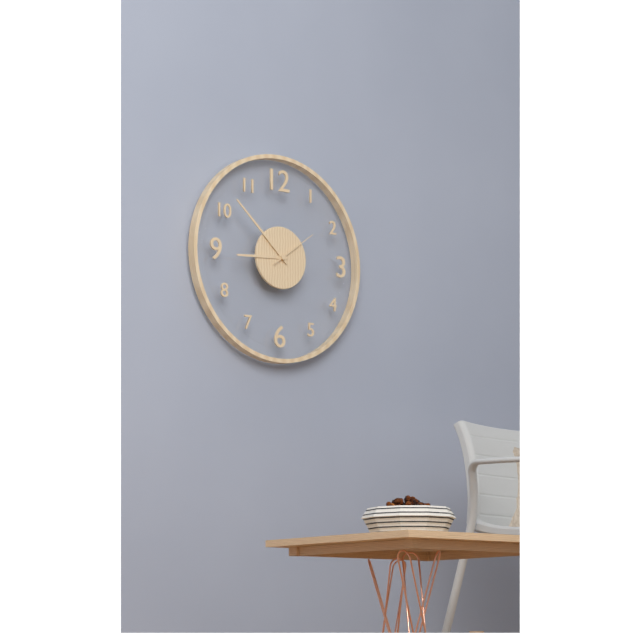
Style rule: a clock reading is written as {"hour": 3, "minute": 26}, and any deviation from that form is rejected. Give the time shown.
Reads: {"hour": 8, "minute": 52}
